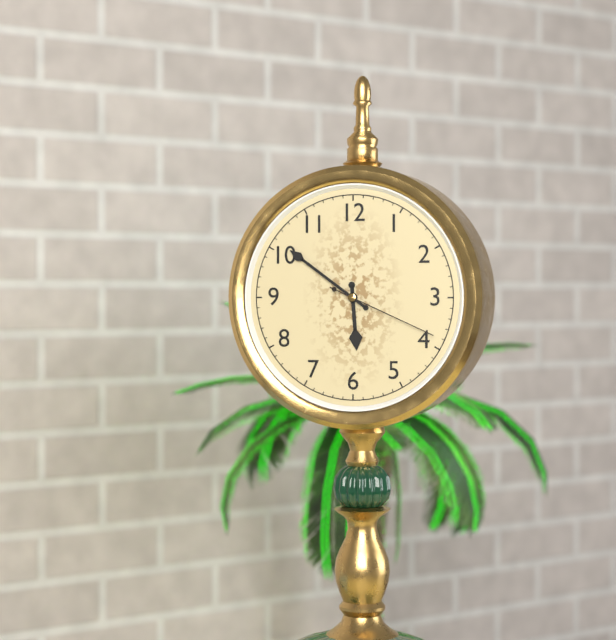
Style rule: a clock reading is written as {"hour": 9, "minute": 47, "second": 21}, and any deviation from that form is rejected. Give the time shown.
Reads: {"hour": 5, "minute": 51, "second": 19}
